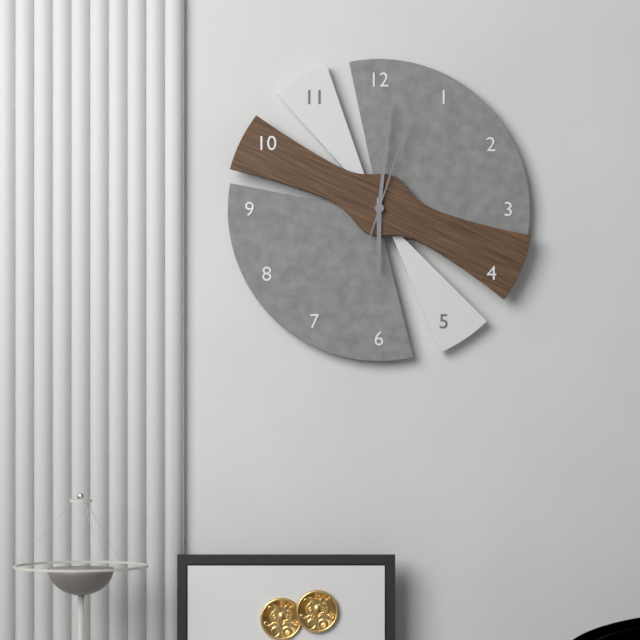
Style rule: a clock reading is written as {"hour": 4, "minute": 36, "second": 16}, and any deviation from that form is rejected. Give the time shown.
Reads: {"hour": 6, "minute": 1, "second": 3}
